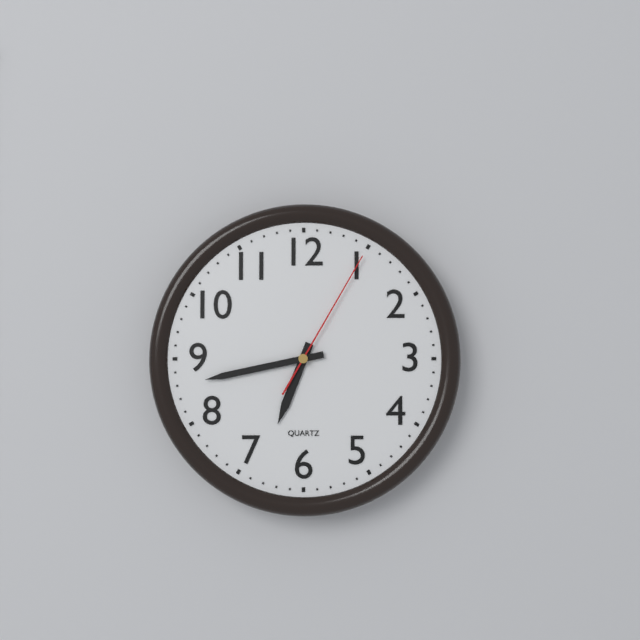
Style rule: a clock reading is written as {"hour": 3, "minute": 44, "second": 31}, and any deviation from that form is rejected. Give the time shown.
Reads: {"hour": 6, "minute": 43, "second": 5}
